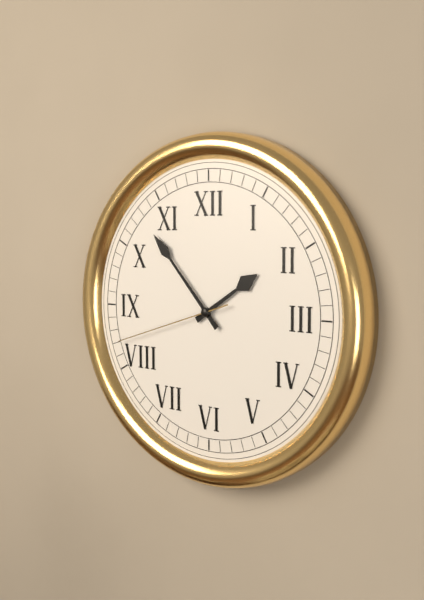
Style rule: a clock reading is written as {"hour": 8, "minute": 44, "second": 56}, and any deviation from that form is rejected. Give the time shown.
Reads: {"hour": 1, "minute": 53, "second": 42}
